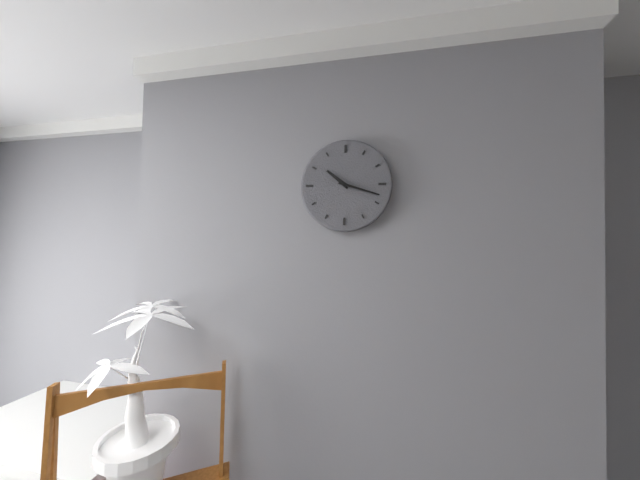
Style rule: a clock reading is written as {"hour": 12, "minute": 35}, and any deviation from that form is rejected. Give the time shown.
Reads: {"hour": 10, "minute": 18}
